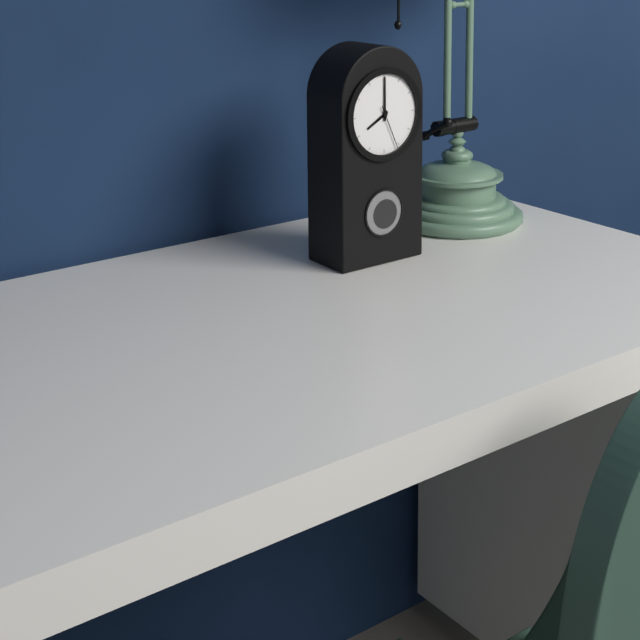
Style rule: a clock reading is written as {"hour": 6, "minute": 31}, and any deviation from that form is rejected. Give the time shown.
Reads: {"hour": 8, "minute": 0}
